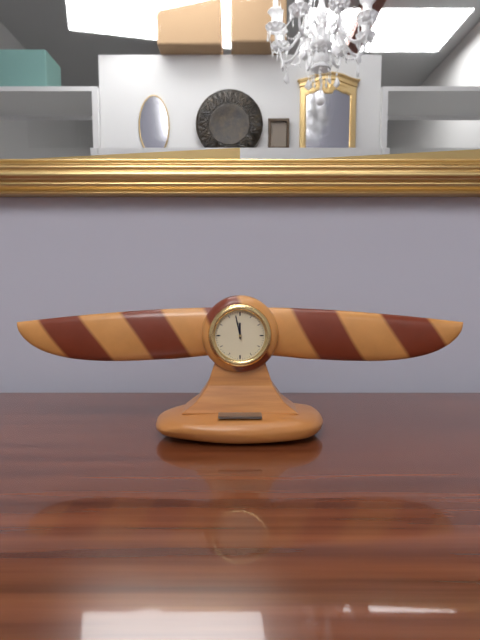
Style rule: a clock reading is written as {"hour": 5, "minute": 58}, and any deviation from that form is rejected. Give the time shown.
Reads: {"hour": 11, "minute": 58}
